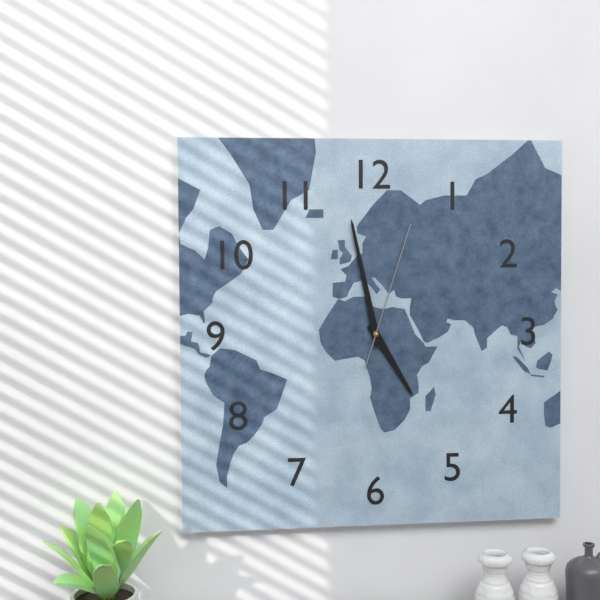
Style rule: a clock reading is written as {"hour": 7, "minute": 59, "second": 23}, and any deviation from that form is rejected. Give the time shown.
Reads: {"hour": 4, "minute": 58, "second": 3}
